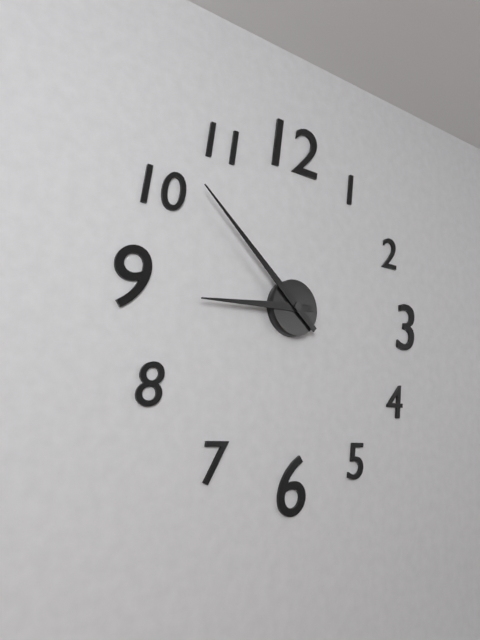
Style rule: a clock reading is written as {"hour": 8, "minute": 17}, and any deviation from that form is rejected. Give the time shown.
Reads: {"hour": 8, "minute": 52}
